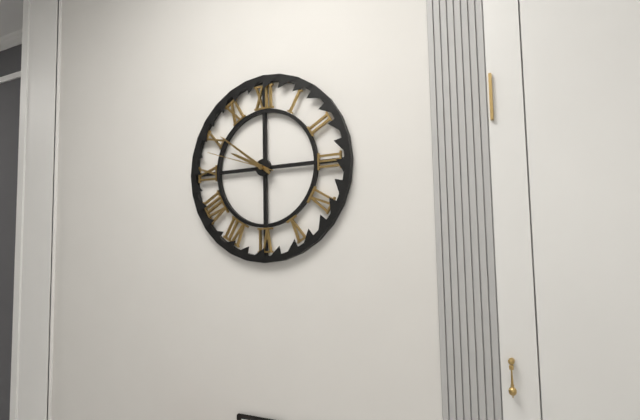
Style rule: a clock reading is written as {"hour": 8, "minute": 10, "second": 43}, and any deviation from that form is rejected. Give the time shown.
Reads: {"hour": 9, "minute": 51, "second": 48}
